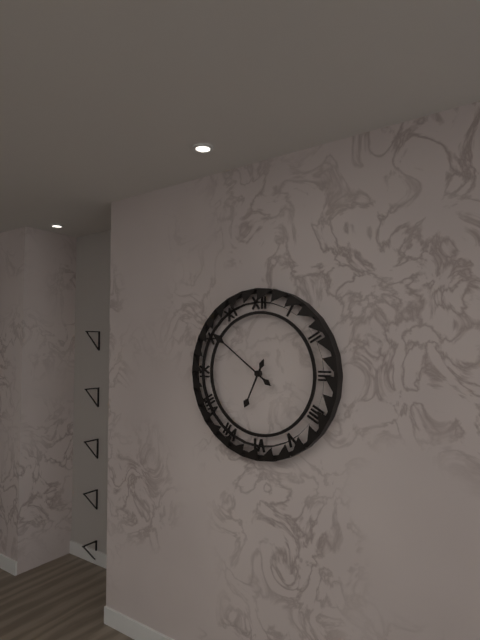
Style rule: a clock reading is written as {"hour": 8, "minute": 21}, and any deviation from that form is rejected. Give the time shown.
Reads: {"hour": 6, "minute": 51}
